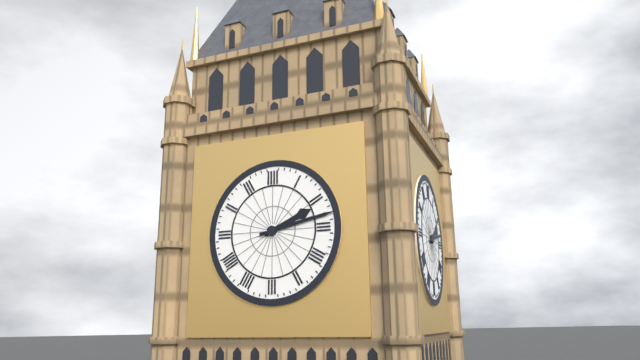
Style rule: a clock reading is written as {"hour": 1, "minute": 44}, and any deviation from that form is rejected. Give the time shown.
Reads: {"hour": 2, "minute": 13}
